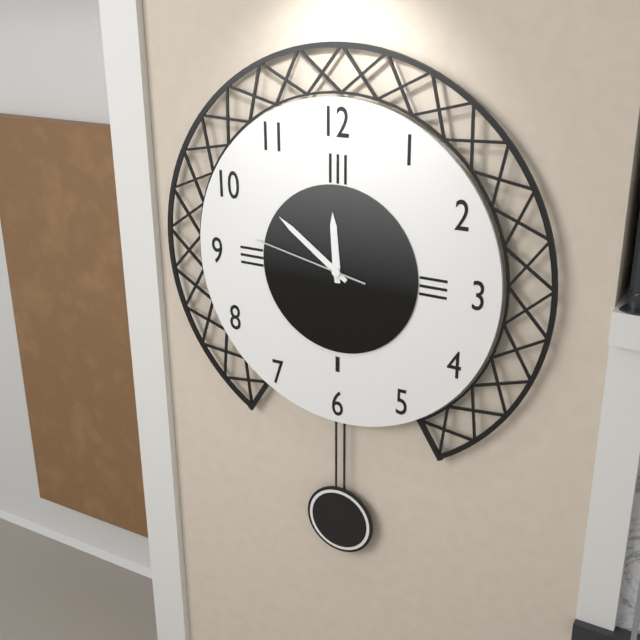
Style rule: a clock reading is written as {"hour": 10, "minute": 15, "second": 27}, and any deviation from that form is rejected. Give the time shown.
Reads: {"hour": 11, "minute": 51, "second": 47}
